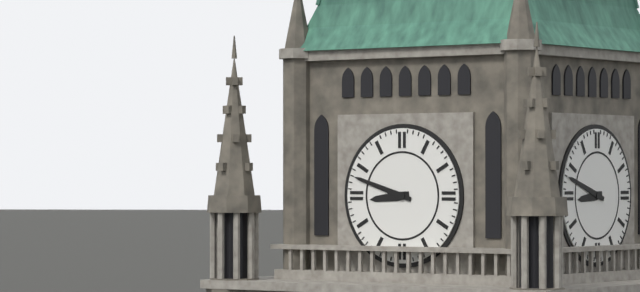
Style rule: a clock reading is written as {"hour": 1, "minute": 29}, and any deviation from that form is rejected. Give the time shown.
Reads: {"hour": 8, "minute": 48}
